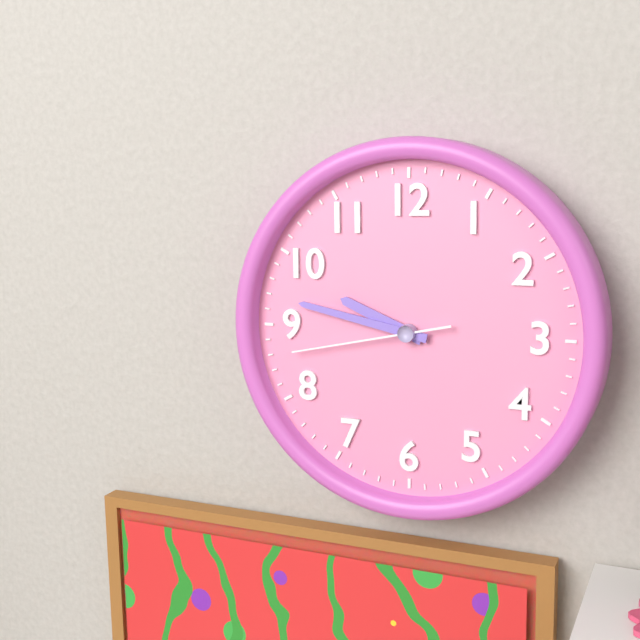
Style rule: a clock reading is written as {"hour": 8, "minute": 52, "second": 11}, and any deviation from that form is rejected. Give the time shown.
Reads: {"hour": 9, "minute": 47, "second": 43}
